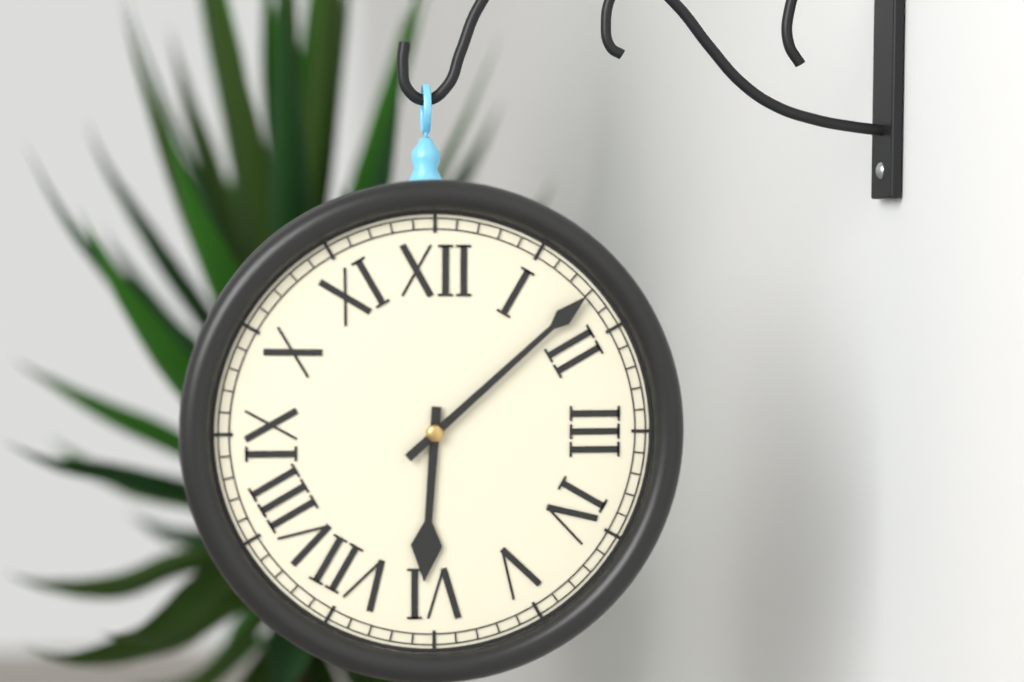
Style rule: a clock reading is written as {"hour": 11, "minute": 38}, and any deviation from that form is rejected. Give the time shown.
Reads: {"hour": 6, "minute": 8}
